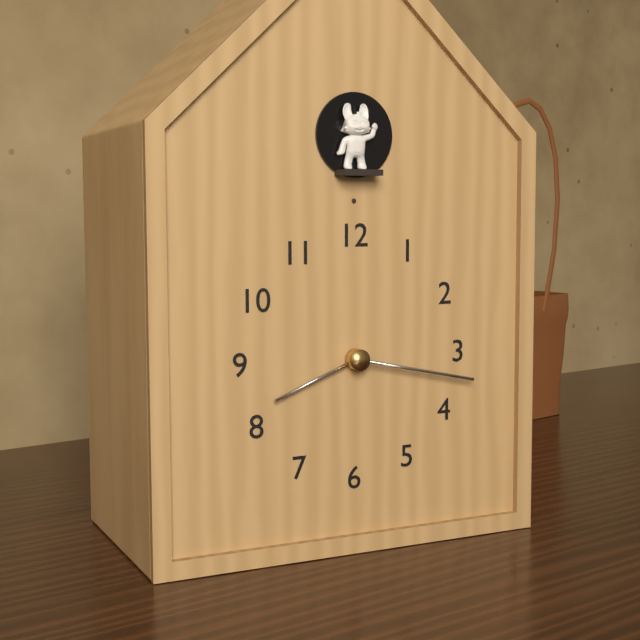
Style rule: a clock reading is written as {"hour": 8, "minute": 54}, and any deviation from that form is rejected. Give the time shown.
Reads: {"hour": 8, "minute": 17}
